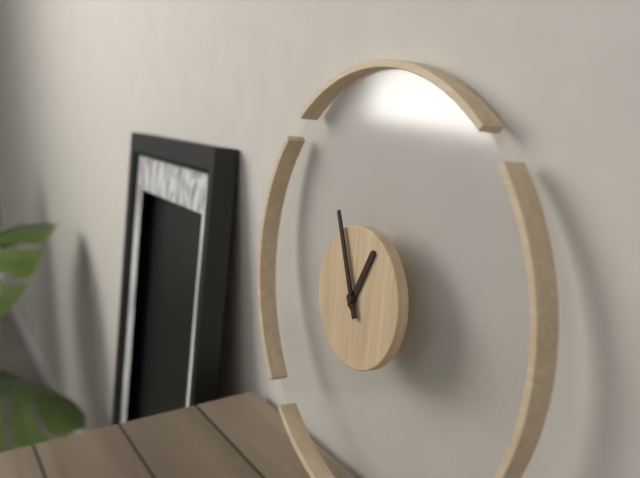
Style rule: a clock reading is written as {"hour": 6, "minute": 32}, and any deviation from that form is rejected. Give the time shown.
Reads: {"hour": 12, "minute": 56}
